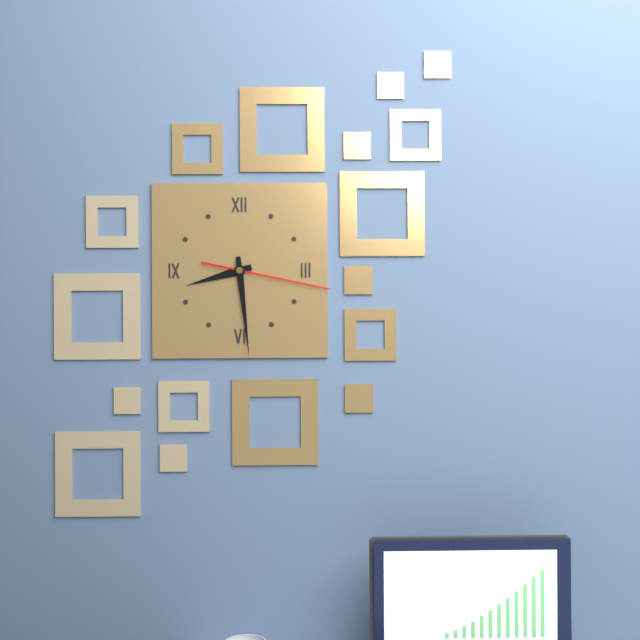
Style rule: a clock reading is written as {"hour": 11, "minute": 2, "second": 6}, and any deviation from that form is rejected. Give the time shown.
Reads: {"hour": 8, "minute": 29, "second": 17}
